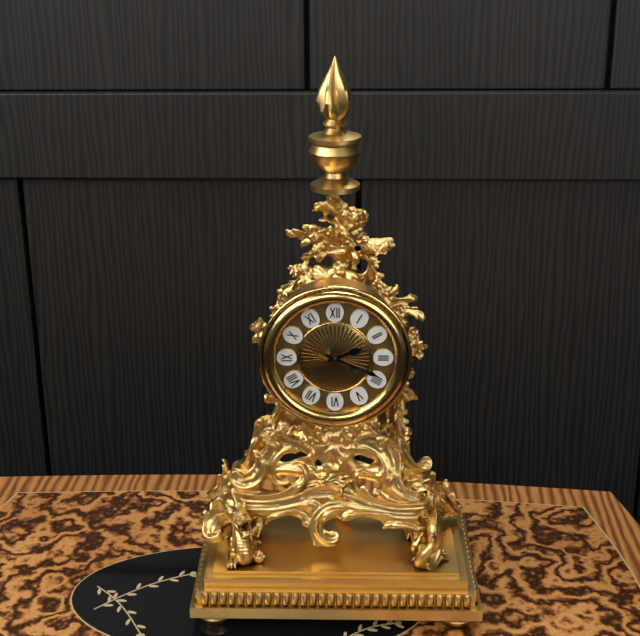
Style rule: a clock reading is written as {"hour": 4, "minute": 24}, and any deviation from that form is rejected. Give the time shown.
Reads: {"hour": 2, "minute": 19}
